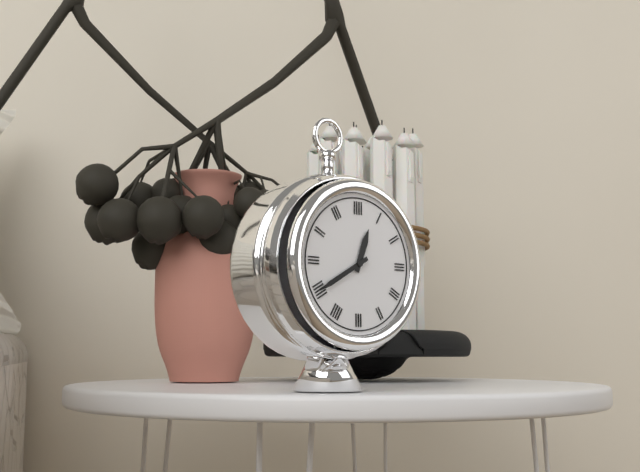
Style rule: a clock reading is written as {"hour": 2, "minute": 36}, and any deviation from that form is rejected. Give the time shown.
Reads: {"hour": 12, "minute": 40}
